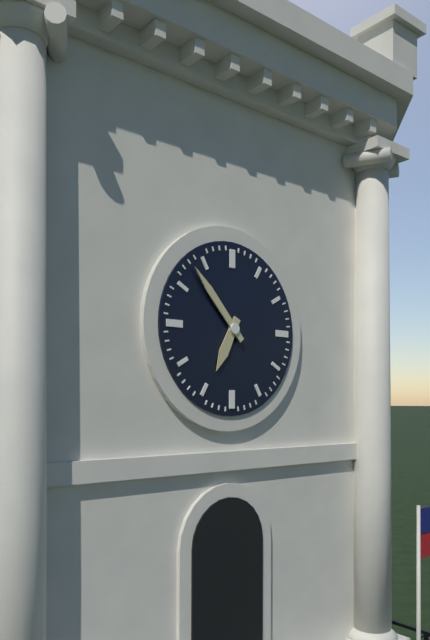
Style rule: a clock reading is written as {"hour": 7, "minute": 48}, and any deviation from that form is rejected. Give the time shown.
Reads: {"hour": 6, "minute": 53}
